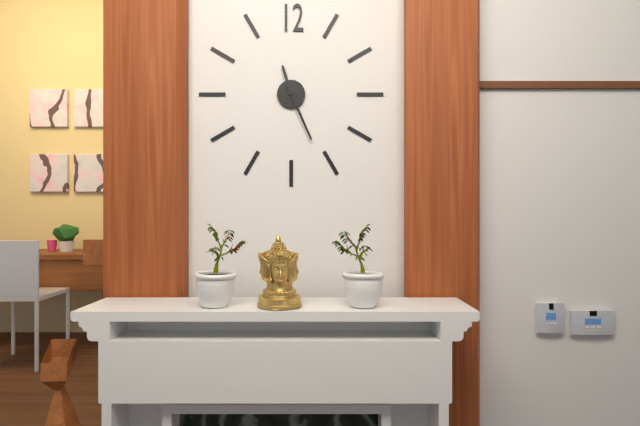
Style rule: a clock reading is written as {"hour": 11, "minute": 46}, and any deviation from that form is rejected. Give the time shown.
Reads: {"hour": 11, "minute": 26}
